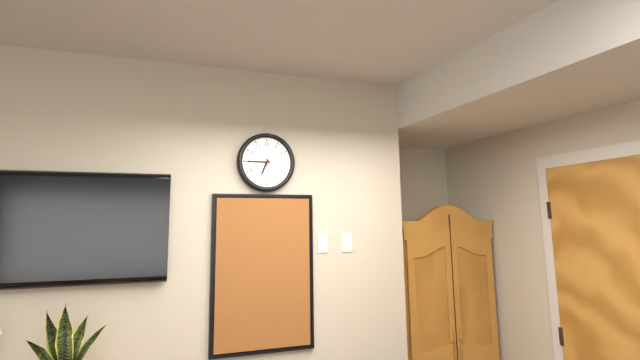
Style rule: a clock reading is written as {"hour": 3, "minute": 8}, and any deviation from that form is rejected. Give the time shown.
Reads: {"hour": 6, "minute": 45}
